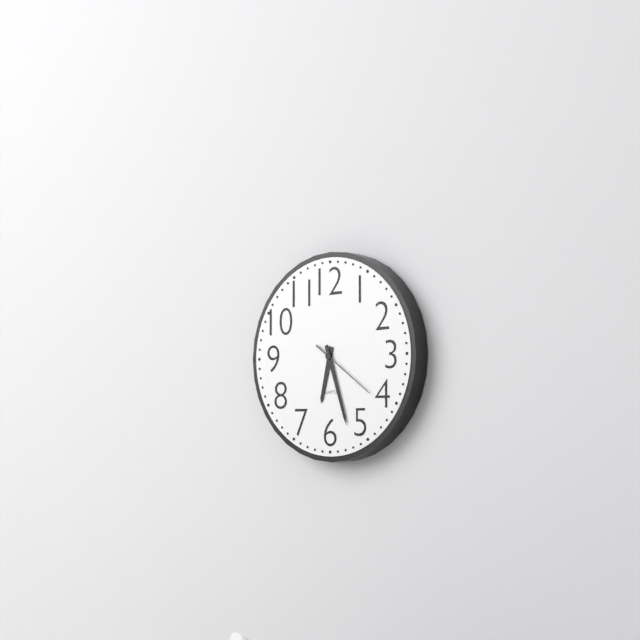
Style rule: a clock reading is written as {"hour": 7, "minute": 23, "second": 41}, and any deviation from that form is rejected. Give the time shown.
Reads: {"hour": 6, "minute": 27, "second": 21}
